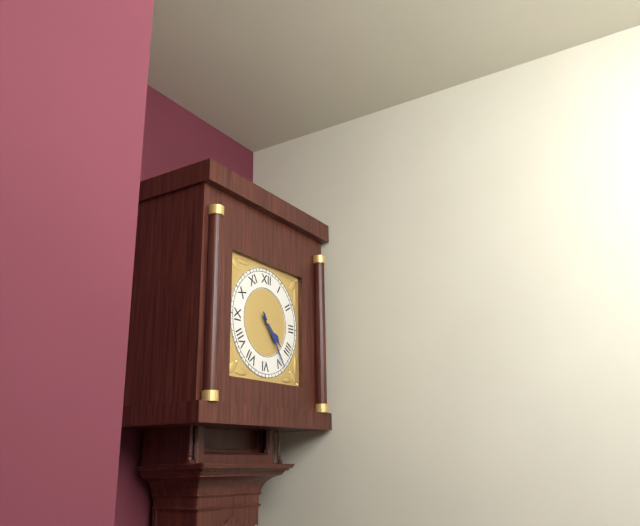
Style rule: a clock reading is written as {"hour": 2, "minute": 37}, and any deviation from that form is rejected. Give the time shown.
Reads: {"hour": 4, "minute": 24}
